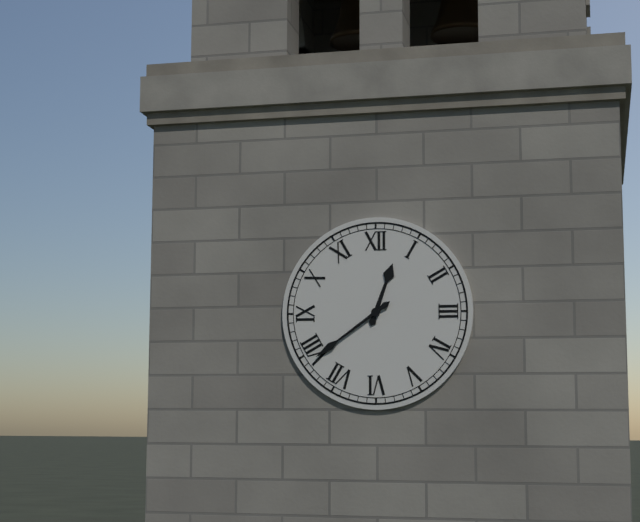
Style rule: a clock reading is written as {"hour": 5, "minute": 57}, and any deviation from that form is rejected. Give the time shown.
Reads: {"hour": 12, "minute": 39}
